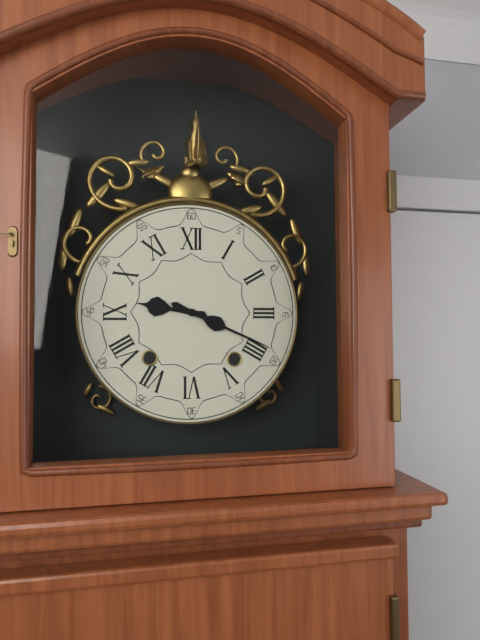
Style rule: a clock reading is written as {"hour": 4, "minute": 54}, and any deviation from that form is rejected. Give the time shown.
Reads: {"hour": 9, "minute": 19}
